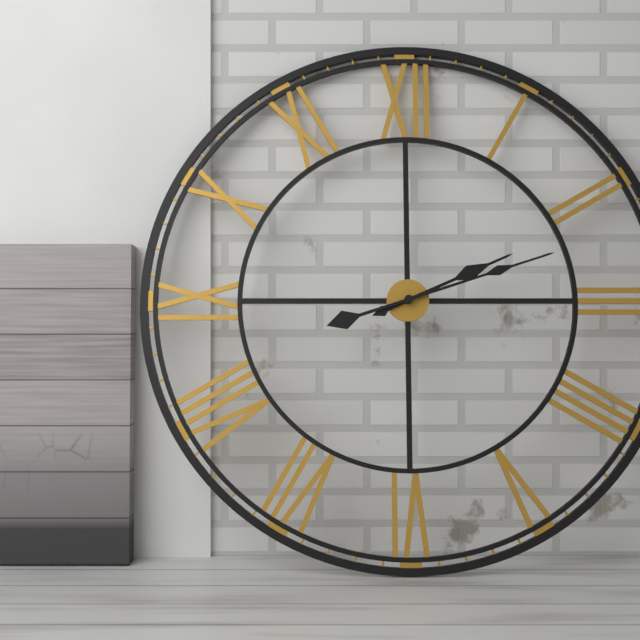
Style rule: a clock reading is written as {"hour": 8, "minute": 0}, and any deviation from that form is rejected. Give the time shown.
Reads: {"hour": 2, "minute": 12}
